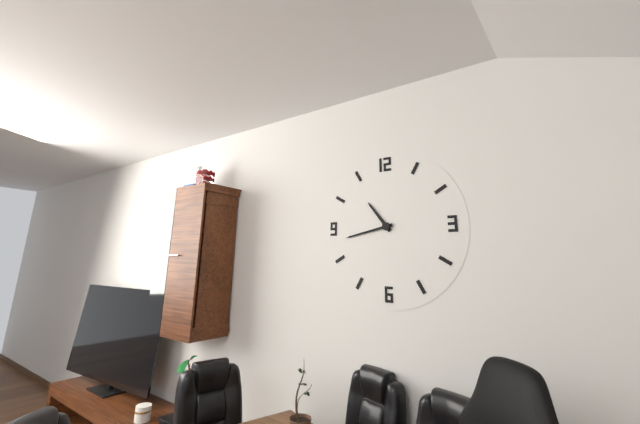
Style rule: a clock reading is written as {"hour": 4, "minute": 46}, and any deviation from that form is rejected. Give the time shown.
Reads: {"hour": 10, "minute": 43}
